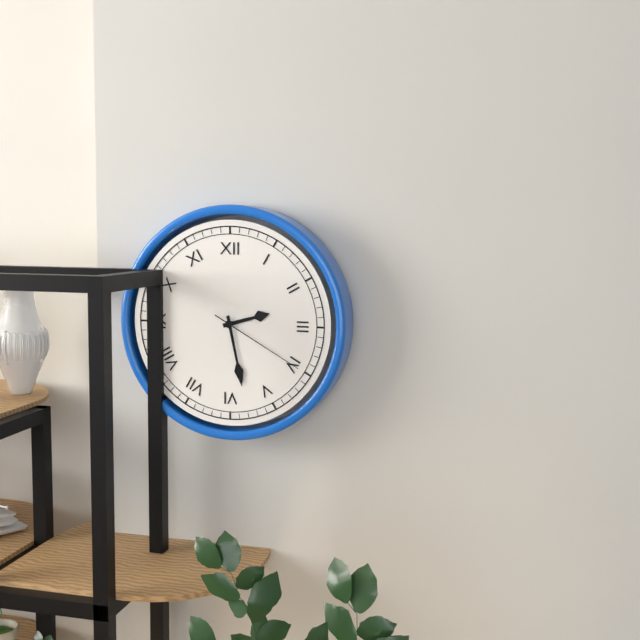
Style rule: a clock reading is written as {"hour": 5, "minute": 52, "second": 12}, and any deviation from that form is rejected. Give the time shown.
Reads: {"hour": 2, "minute": 28, "second": 20}
